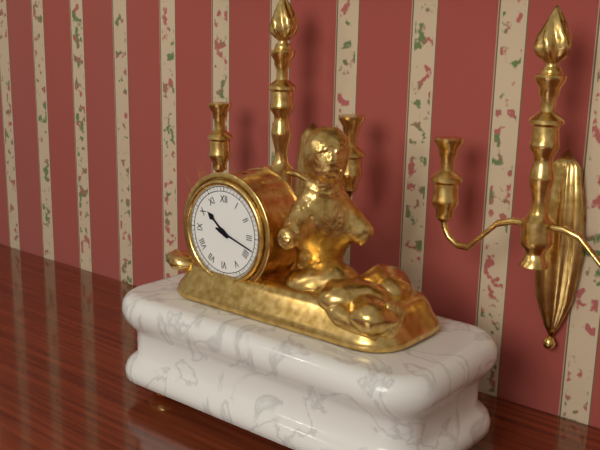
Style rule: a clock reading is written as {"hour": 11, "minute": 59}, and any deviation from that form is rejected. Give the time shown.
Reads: {"hour": 10, "minute": 18}
